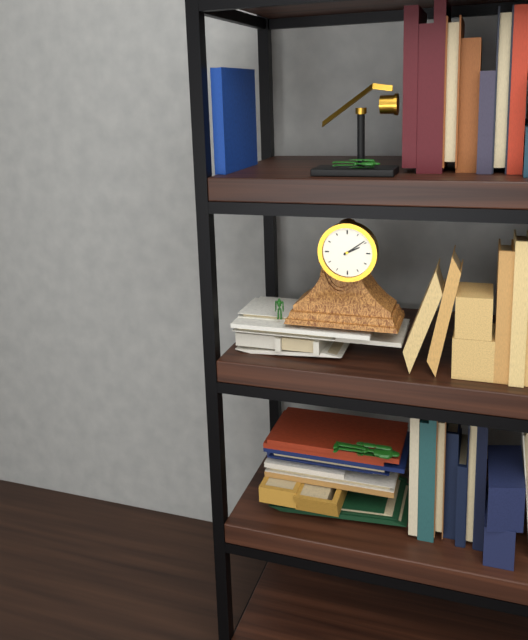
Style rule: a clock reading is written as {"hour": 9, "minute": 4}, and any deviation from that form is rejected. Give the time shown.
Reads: {"hour": 2, "minute": 9}
